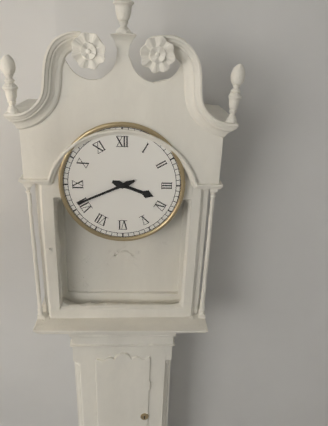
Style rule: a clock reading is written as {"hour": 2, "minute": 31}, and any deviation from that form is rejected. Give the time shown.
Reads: {"hour": 3, "minute": 41}
